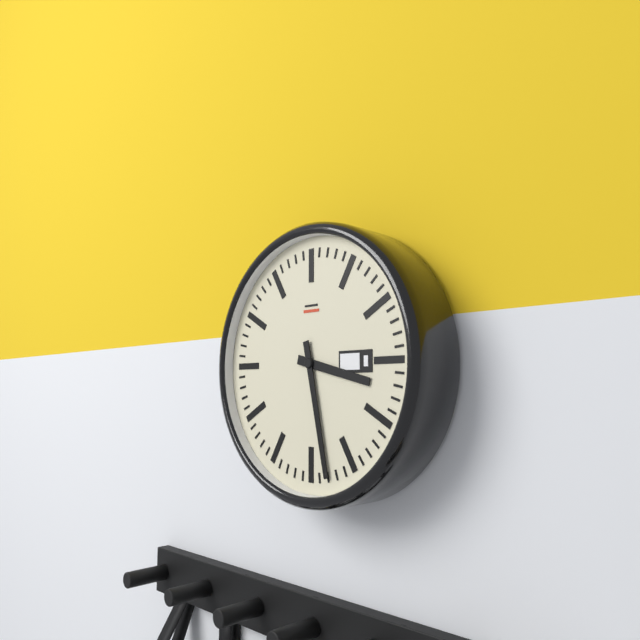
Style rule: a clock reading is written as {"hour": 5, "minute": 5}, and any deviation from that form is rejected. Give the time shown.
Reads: {"hour": 3, "minute": 28}
